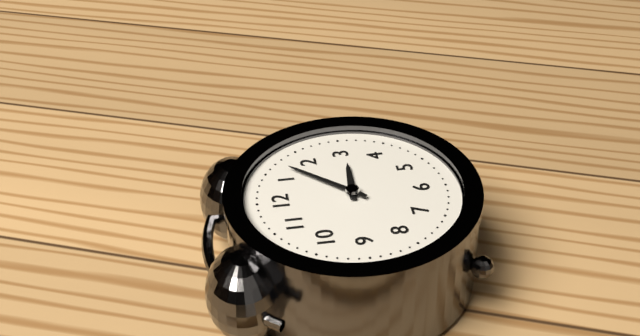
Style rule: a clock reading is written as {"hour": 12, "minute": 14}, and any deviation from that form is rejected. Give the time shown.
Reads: {"hour": 3, "minute": 7}
